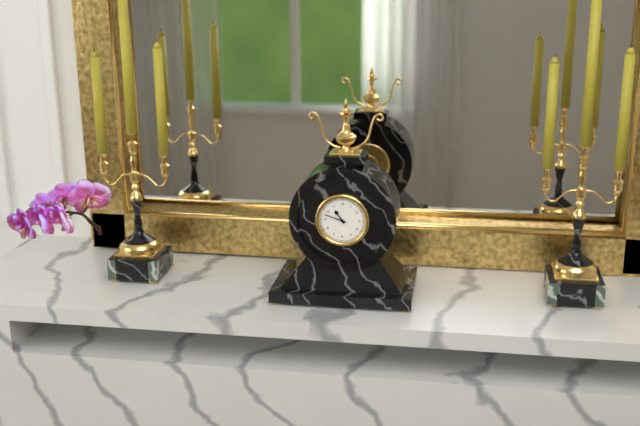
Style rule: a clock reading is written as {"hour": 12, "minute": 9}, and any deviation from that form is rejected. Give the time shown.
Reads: {"hour": 10, "minute": 48}
